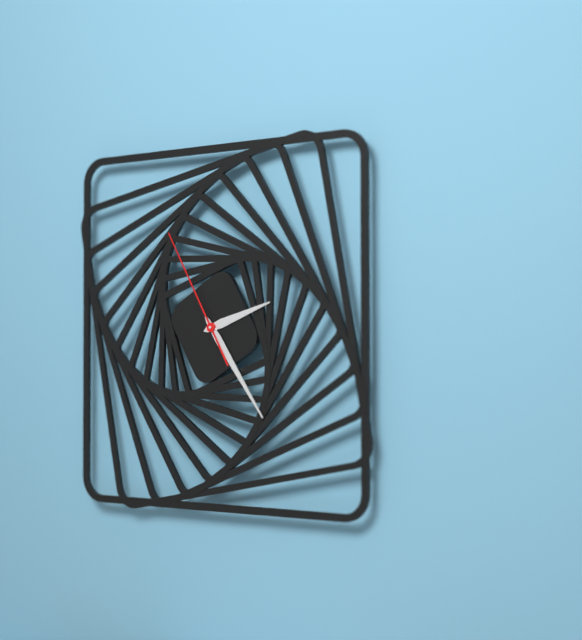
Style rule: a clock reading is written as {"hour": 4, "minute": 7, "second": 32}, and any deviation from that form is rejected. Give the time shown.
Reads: {"hour": 2, "minute": 24, "second": 55}
